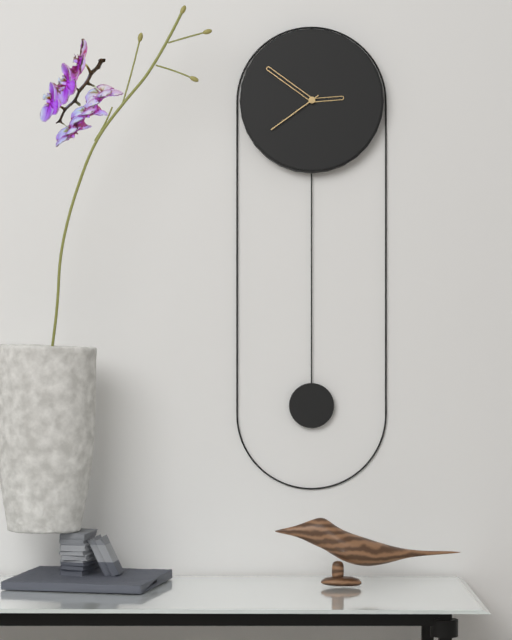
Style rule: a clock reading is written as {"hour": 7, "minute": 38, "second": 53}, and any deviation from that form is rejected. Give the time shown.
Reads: {"hour": 2, "minute": 51, "second": 39}
